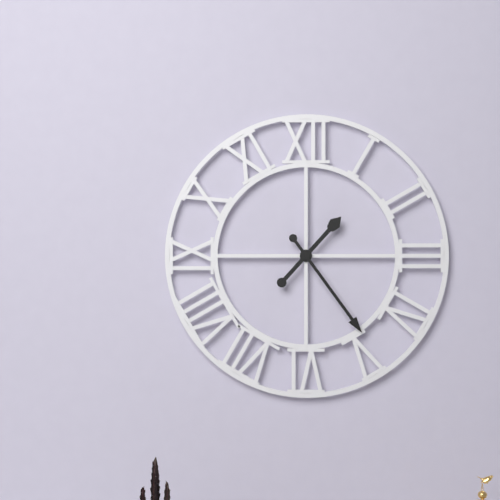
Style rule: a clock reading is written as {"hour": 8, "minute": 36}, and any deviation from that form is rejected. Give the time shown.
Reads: {"hour": 1, "minute": 24}
